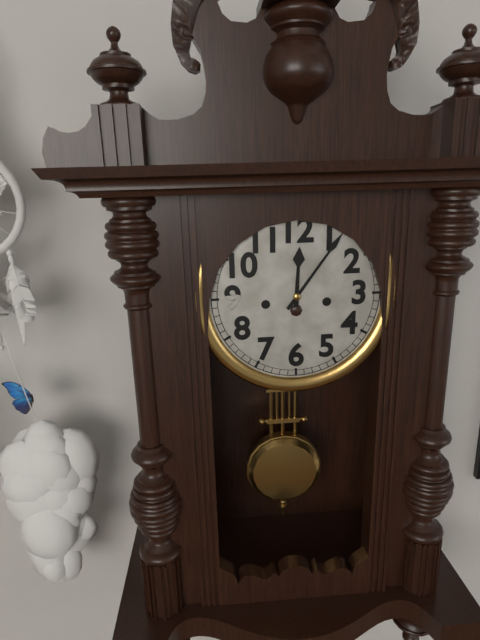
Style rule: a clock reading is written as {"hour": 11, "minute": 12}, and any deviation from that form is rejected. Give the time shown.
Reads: {"hour": 12, "minute": 6}
